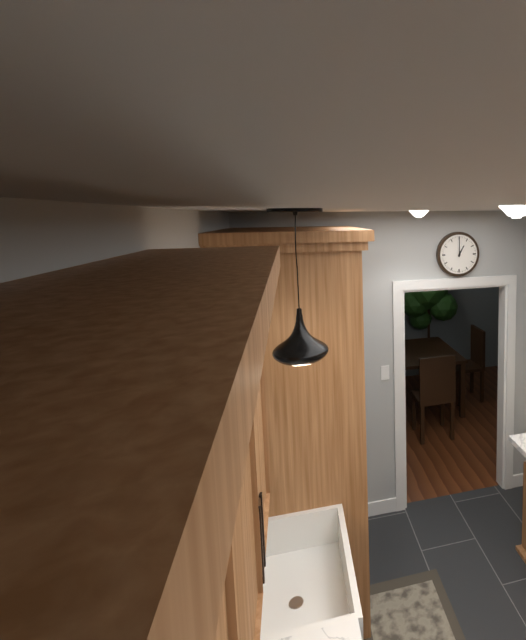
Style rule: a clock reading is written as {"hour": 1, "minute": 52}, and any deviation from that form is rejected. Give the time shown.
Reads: {"hour": 1, "minute": 0}
